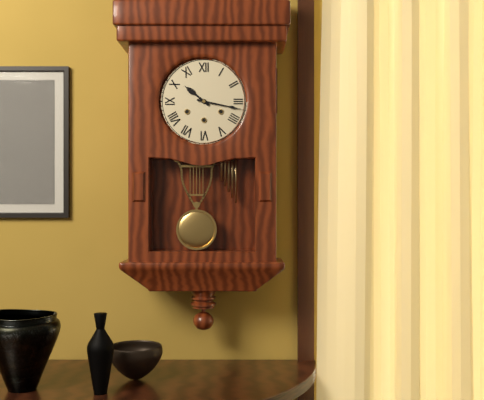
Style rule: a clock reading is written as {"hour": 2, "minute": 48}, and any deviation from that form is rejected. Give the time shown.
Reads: {"hour": 10, "minute": 17}
